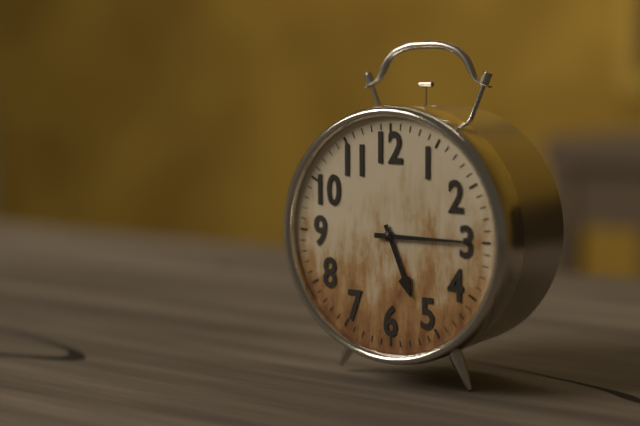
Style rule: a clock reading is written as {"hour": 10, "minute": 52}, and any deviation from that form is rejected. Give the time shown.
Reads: {"hour": 5, "minute": 15}
